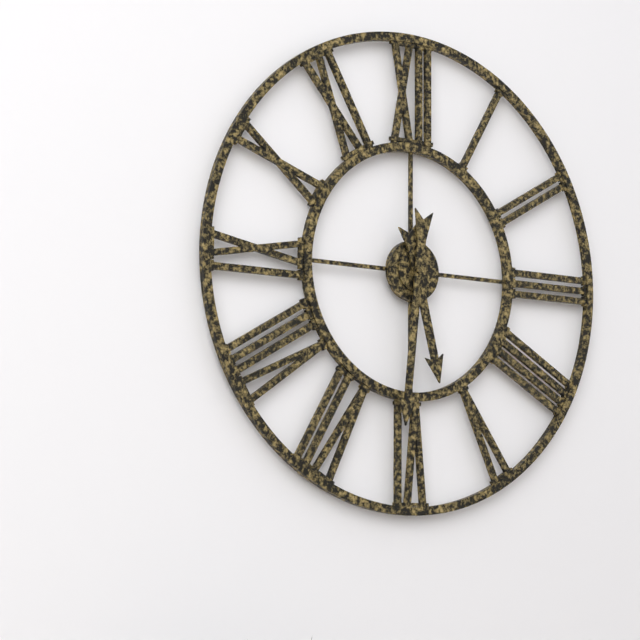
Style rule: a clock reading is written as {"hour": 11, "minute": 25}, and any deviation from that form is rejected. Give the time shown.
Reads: {"hour": 5, "minute": 31}
